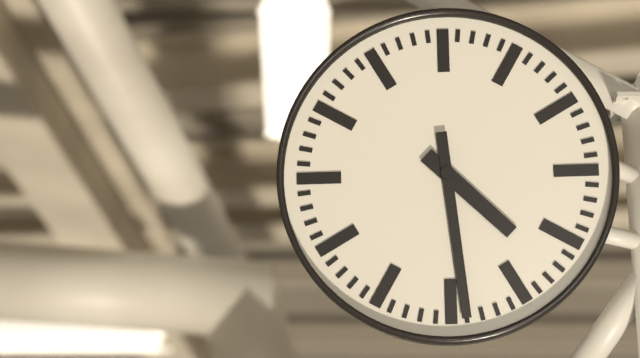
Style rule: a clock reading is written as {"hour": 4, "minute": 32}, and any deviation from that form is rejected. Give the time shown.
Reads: {"hour": 4, "minute": 29}
